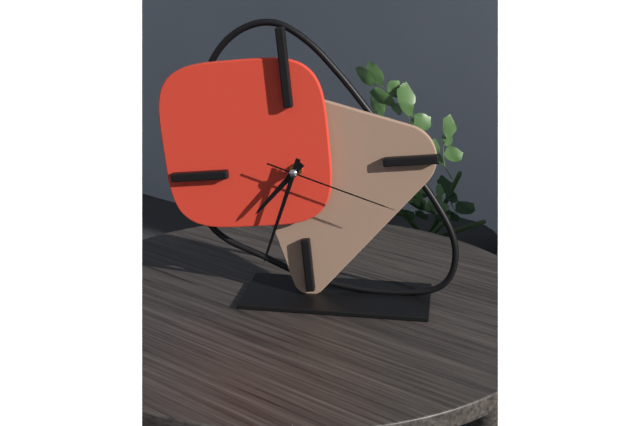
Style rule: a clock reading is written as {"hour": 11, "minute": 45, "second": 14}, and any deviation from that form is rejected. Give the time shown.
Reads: {"hour": 7, "minute": 34, "second": 19}
